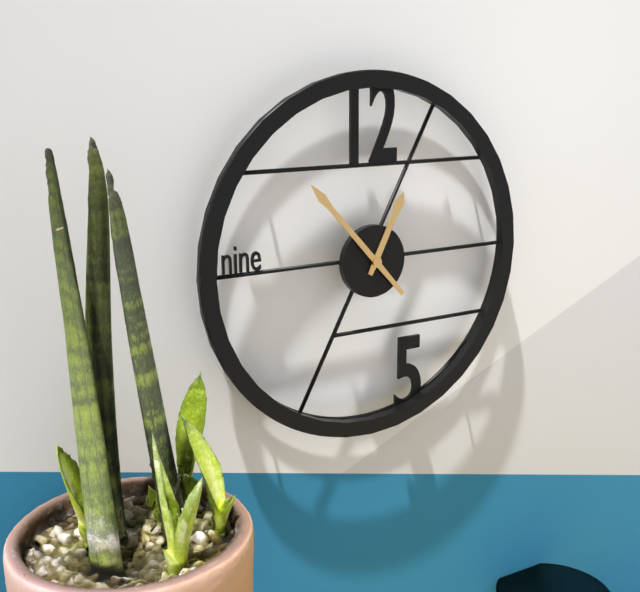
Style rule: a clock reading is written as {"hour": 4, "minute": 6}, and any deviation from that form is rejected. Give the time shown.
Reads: {"hour": 12, "minute": 53}
